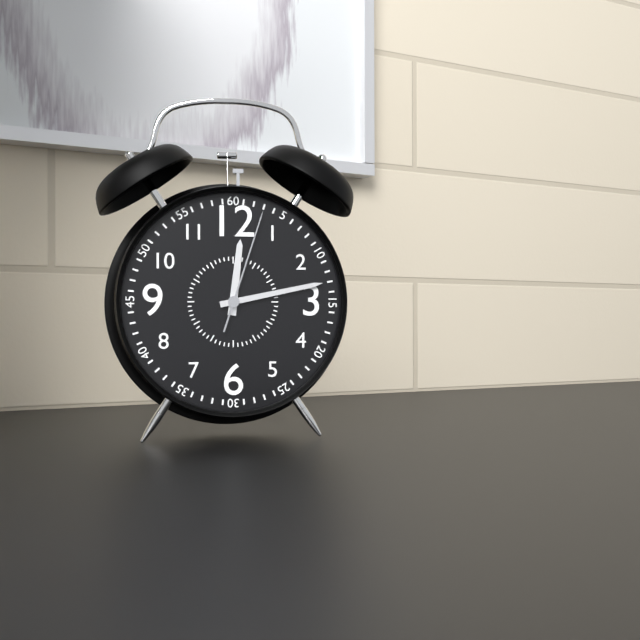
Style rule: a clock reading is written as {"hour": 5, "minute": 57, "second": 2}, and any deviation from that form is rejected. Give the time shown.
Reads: {"hour": 12, "minute": 13, "second": 3}
